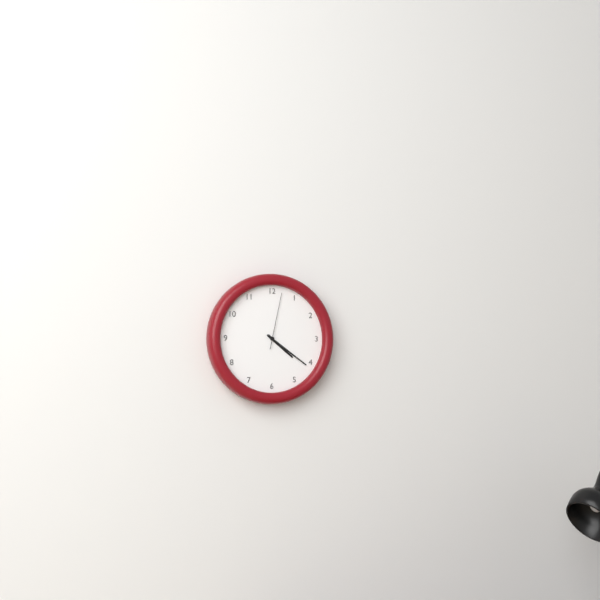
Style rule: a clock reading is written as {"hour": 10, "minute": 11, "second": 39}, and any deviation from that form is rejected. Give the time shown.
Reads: {"hour": 4, "minute": 21, "second": 2}
